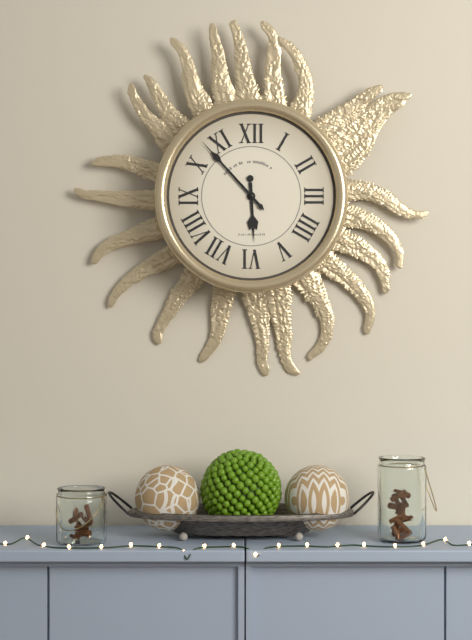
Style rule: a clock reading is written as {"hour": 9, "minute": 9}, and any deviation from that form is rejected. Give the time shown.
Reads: {"hour": 5, "minute": 53}
